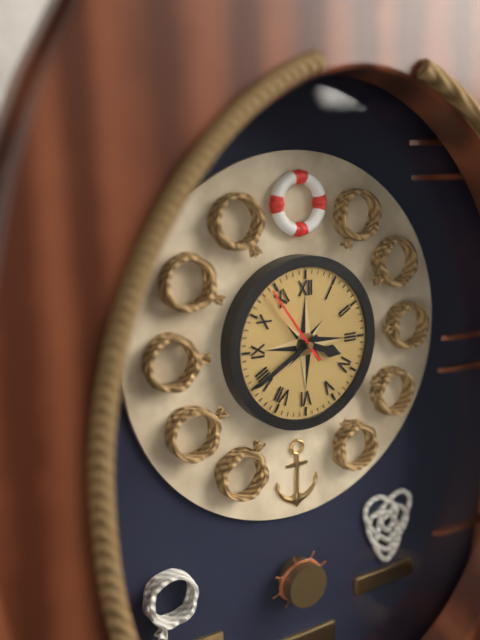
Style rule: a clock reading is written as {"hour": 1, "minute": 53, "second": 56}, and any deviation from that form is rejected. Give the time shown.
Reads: {"hour": 3, "minute": 40, "second": 54}
